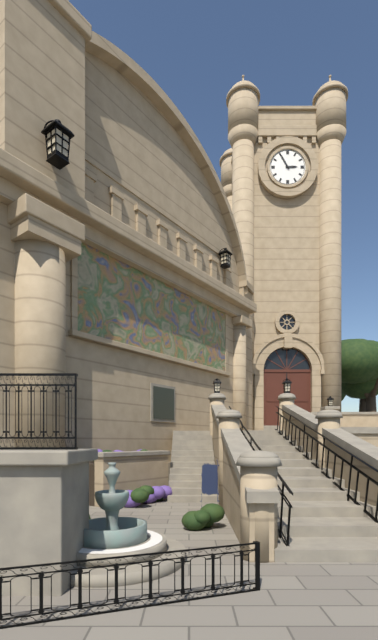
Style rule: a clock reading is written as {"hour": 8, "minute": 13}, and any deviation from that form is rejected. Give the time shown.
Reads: {"hour": 2, "minute": 55}
